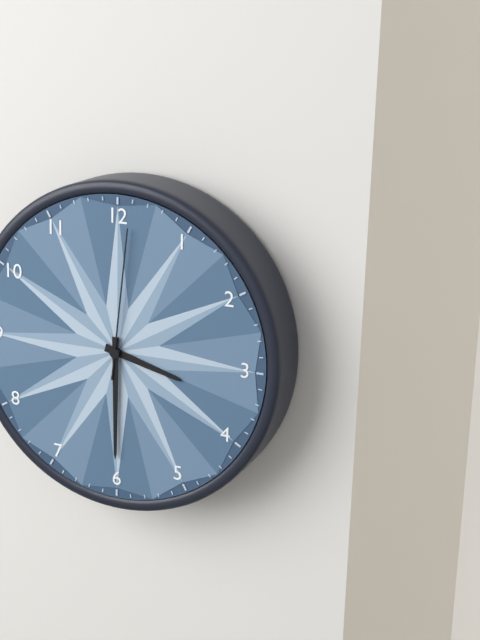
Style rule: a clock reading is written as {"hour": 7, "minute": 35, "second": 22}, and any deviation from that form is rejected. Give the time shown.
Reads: {"hour": 3, "minute": 30, "second": 1}
